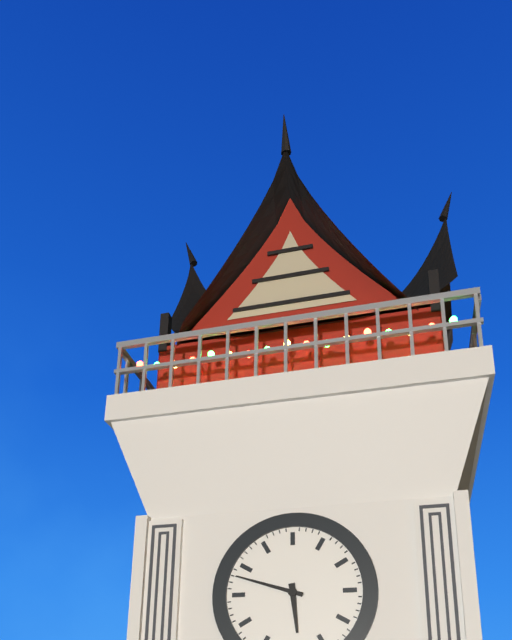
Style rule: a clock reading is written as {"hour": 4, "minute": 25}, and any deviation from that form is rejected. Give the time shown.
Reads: {"hour": 5, "minute": 48}
